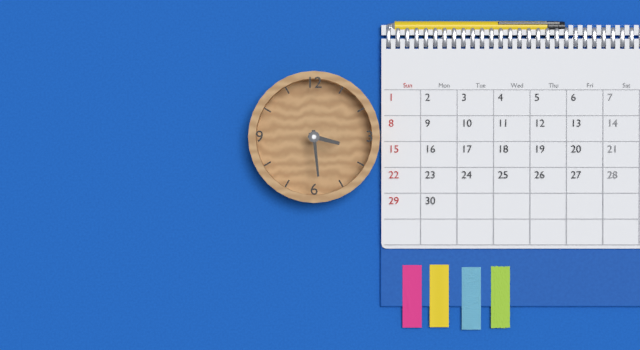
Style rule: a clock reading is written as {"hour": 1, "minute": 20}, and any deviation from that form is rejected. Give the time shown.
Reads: {"hour": 3, "minute": 29}
